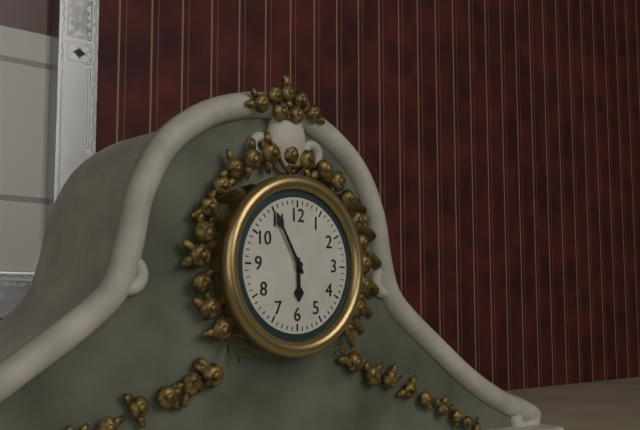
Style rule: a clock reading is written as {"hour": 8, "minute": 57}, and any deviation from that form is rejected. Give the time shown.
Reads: {"hour": 5, "minute": 55}
